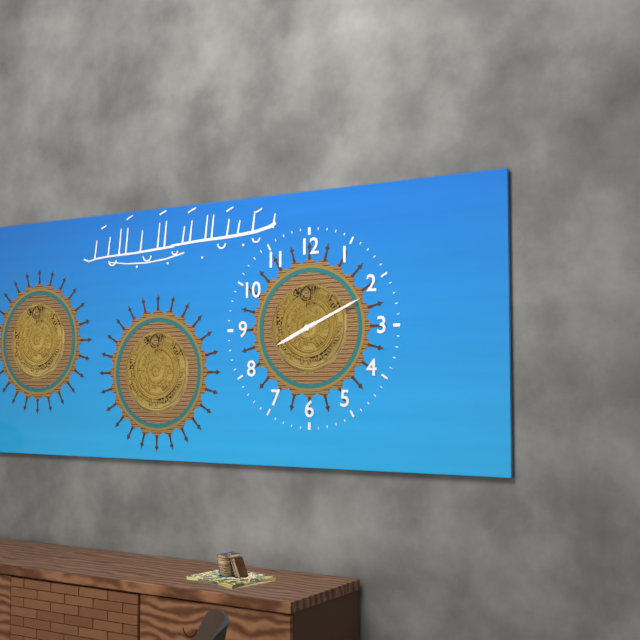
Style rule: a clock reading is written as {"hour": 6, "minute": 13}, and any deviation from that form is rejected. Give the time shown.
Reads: {"hour": 8, "minute": 11}
